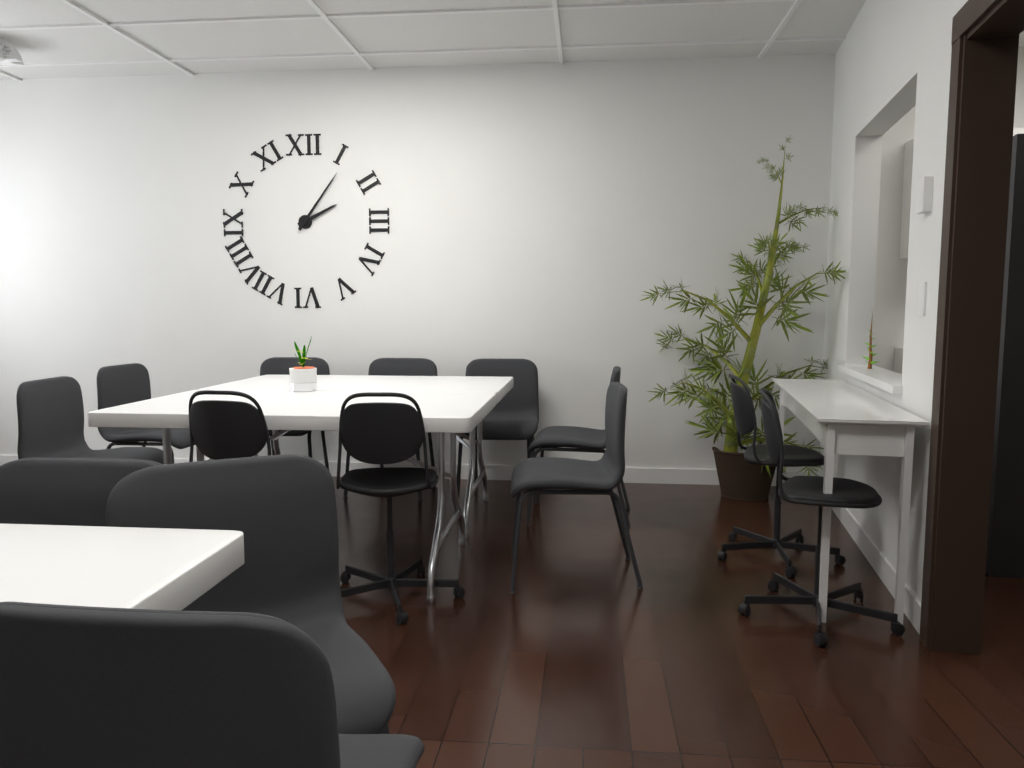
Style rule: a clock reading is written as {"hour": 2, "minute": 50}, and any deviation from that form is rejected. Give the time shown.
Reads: {"hour": 2, "minute": 6}
